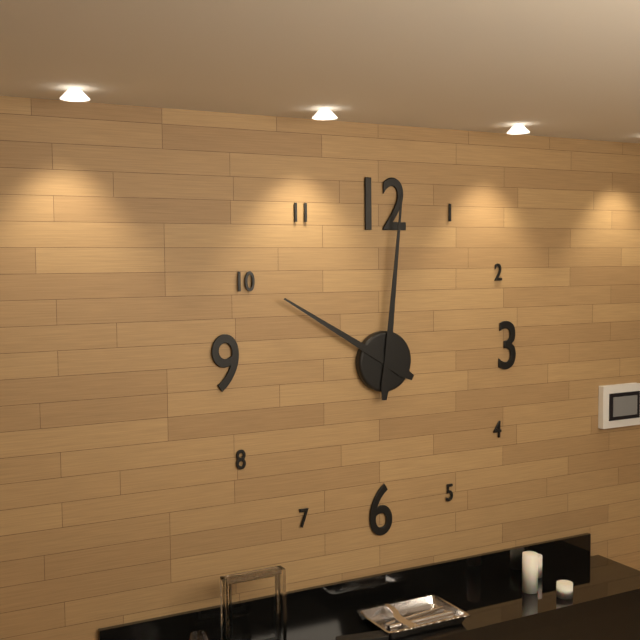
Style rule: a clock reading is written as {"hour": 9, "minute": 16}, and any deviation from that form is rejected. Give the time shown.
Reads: {"hour": 10, "minute": 1}
